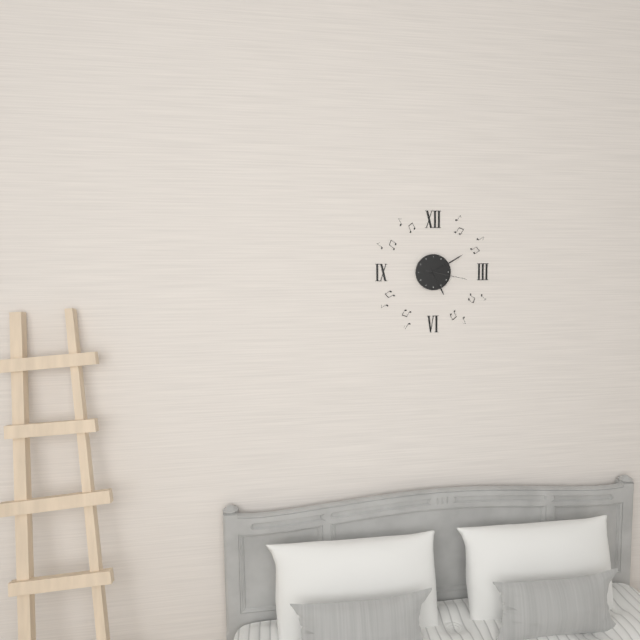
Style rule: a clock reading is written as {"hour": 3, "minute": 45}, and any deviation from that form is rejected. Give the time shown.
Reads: {"hour": 5, "minute": 10}
